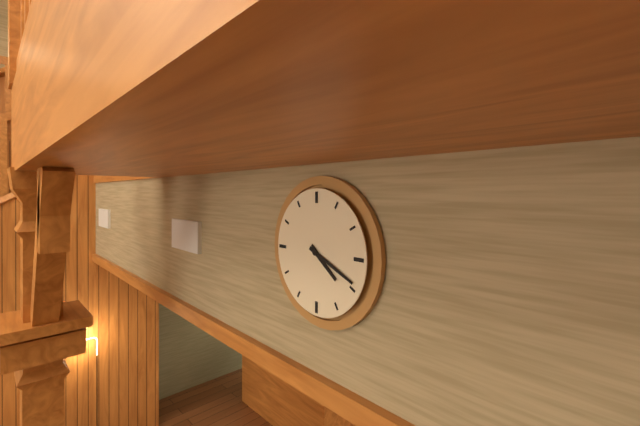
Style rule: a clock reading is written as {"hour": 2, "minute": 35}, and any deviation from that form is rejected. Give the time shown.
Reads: {"hour": 4, "minute": 19}
